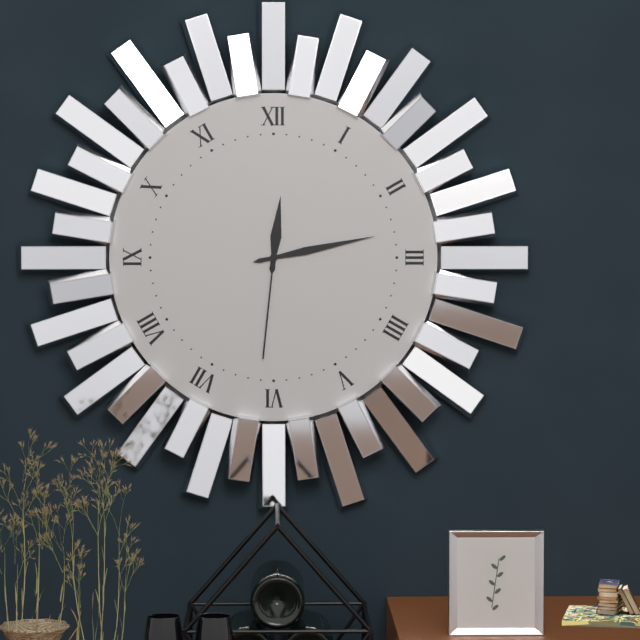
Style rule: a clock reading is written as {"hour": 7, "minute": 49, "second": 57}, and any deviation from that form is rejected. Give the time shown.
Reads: {"hour": 12, "minute": 13, "second": 31}
